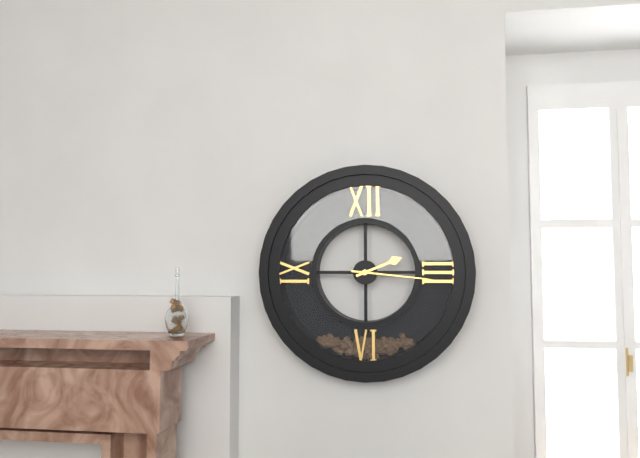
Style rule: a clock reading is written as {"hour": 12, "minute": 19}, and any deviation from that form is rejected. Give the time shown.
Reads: {"hour": 2, "minute": 16}
